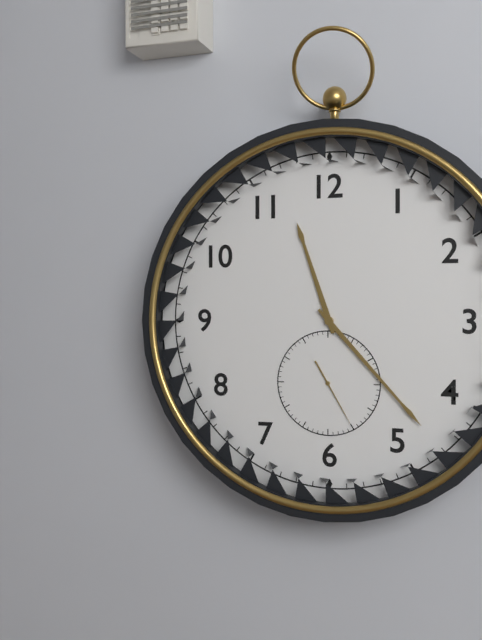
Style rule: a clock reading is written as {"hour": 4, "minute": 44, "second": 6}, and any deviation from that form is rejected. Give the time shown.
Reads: {"hour": 11, "minute": 23, "second": 25}
